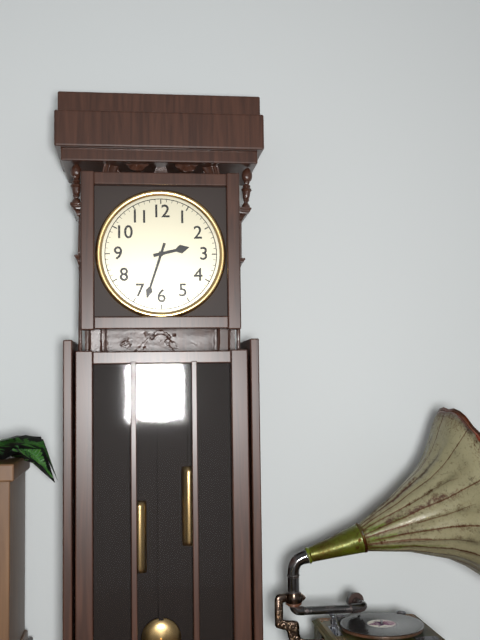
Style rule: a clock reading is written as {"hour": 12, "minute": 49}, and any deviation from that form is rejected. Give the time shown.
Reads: {"hour": 2, "minute": 33}
